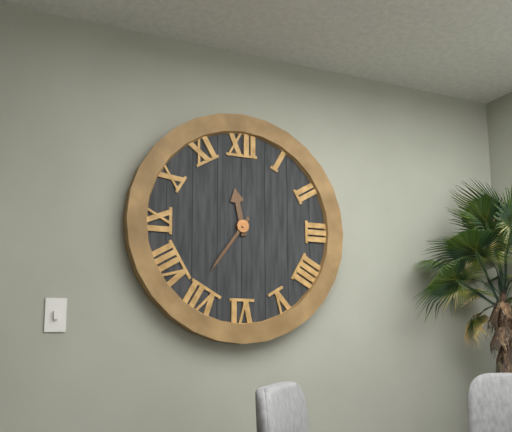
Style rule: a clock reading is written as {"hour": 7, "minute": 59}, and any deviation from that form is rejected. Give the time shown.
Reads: {"hour": 11, "minute": 36}
